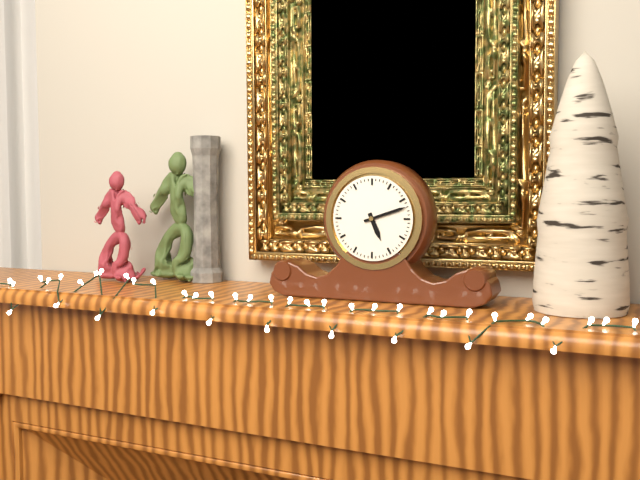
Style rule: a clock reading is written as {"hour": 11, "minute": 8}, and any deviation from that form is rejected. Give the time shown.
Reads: {"hour": 5, "minute": 12}
